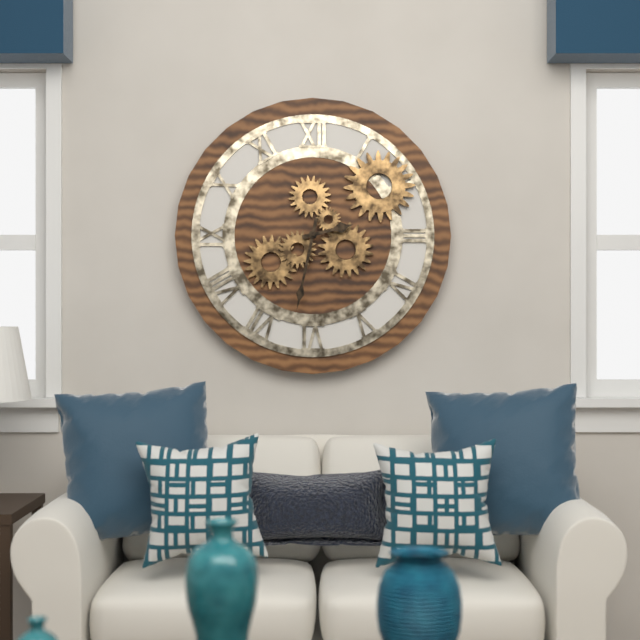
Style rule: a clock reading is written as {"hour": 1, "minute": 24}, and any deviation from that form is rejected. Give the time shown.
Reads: {"hour": 2, "minute": 32}
